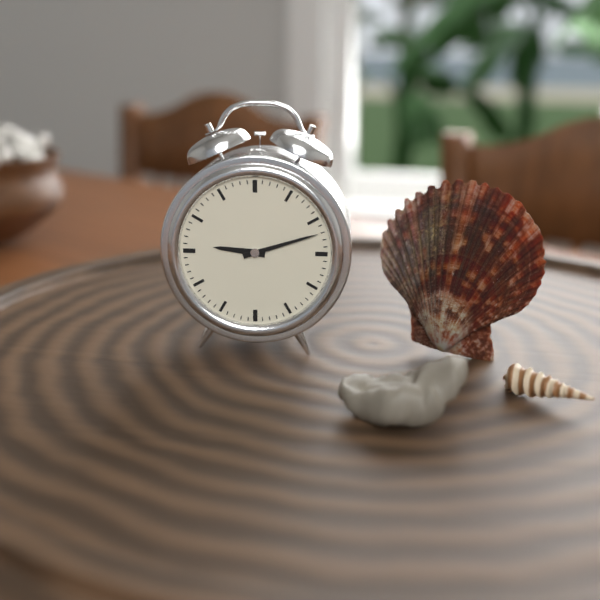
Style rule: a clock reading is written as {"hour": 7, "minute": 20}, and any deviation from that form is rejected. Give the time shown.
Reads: {"hour": 9, "minute": 12}
